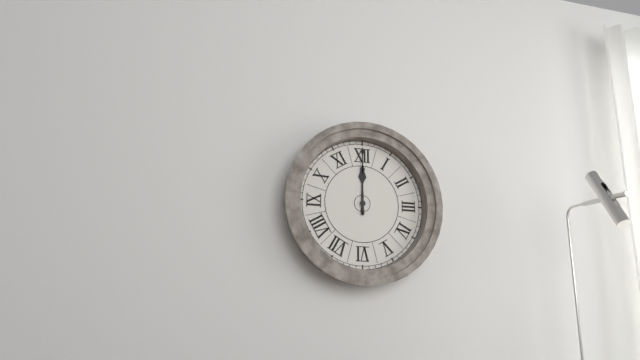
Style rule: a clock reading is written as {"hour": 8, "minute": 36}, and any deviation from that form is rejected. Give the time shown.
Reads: {"hour": 12, "minute": 0}
